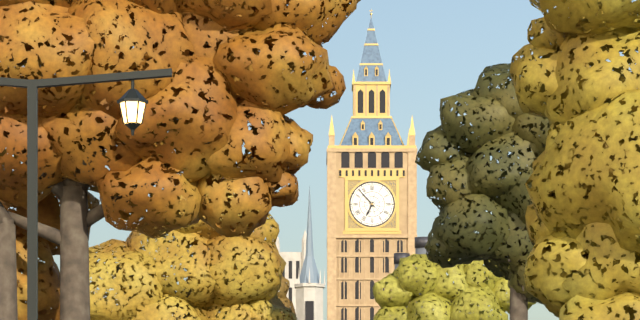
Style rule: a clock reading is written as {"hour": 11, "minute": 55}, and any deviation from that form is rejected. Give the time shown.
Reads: {"hour": 6, "minute": 53}
